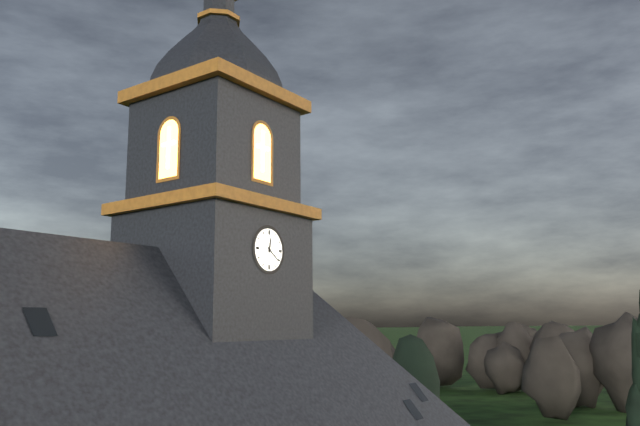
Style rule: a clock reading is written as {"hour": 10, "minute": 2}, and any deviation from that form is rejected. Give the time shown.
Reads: {"hour": 12, "minute": 21}
